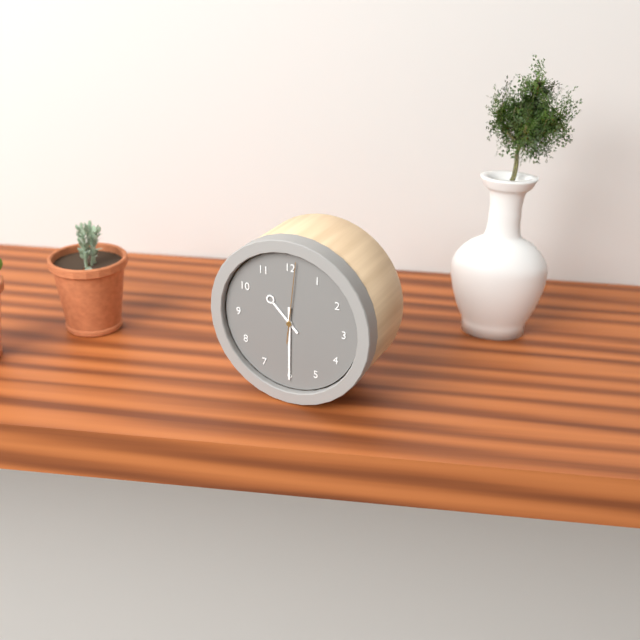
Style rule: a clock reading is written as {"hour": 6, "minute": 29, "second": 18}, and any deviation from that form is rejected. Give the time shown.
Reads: {"hour": 10, "minute": 30, "second": 1}
